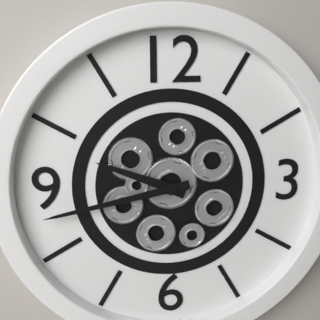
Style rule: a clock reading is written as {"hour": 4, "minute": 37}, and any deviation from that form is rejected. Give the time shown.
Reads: {"hour": 9, "minute": 43}
